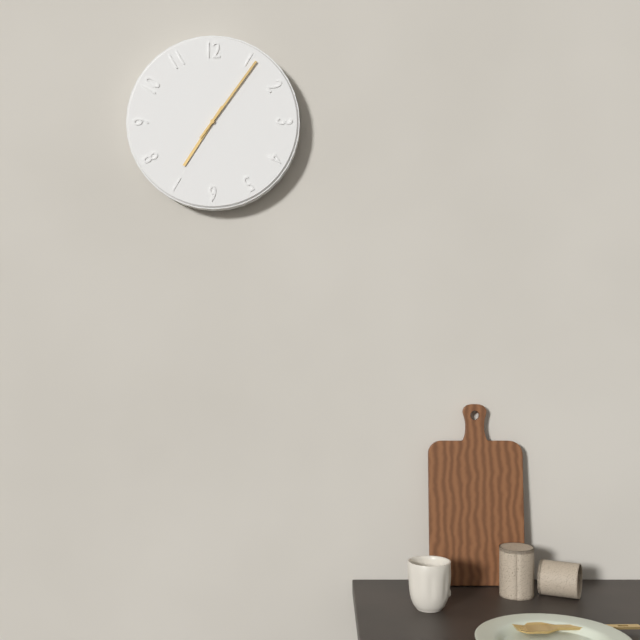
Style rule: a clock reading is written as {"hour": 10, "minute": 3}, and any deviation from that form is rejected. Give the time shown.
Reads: {"hour": 7, "minute": 6}
